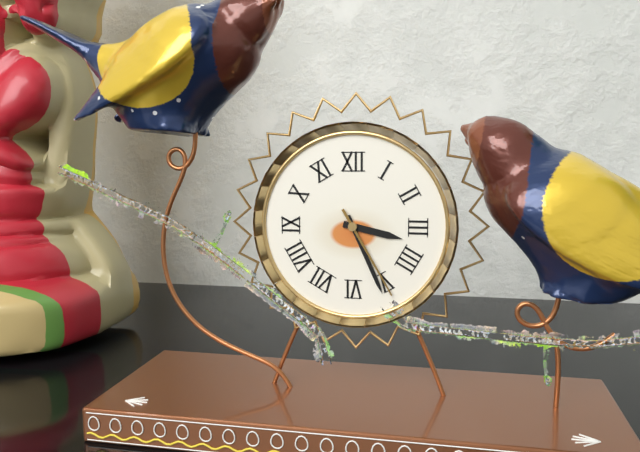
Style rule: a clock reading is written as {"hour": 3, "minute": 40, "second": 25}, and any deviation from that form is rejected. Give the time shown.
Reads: {"hour": 3, "minute": 26, "second": 25}
